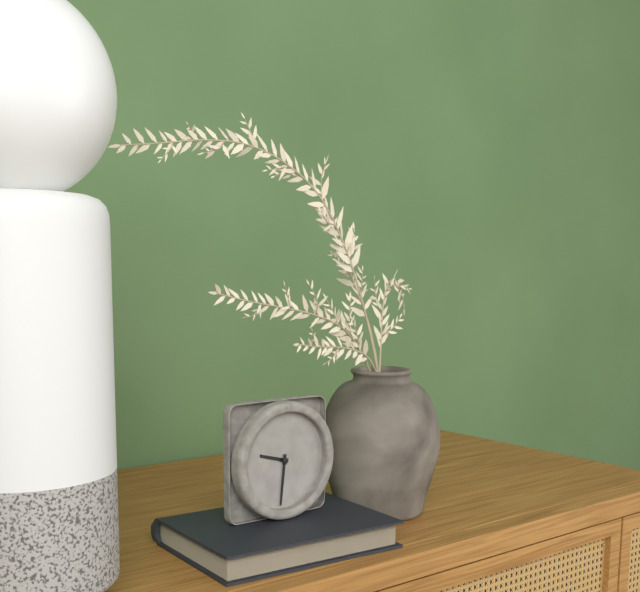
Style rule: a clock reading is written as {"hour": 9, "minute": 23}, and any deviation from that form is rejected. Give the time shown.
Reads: {"hour": 9, "minute": 31}
